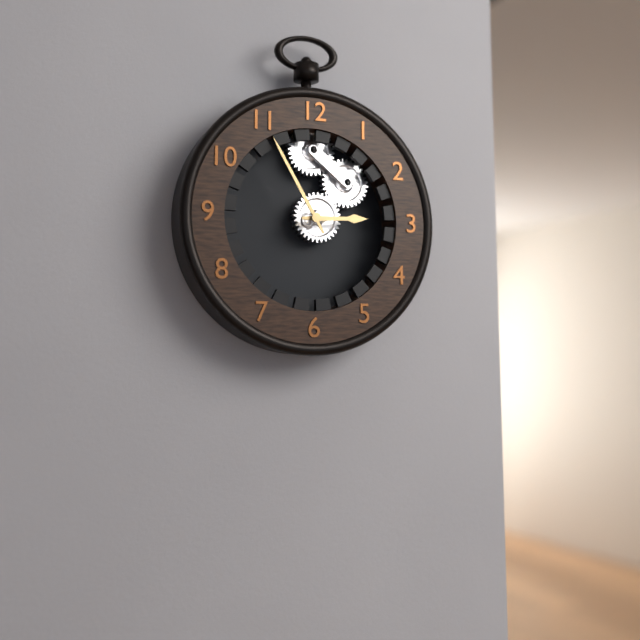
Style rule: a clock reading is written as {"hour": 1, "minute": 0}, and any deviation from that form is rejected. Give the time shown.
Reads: {"hour": 2, "minute": 55}
